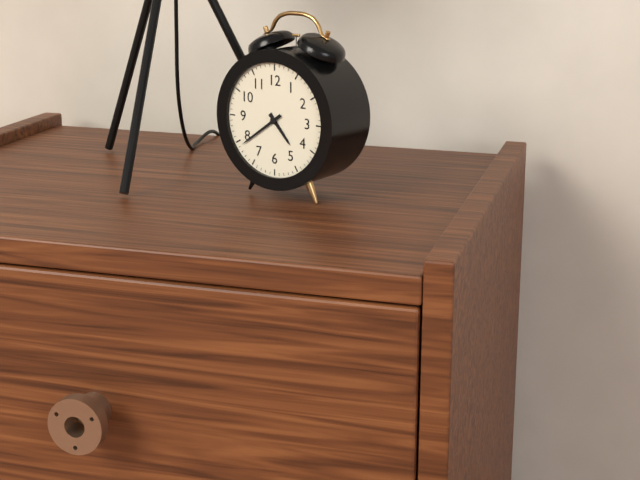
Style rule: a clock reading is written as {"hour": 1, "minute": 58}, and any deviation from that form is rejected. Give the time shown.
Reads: {"hour": 4, "minute": 39}
